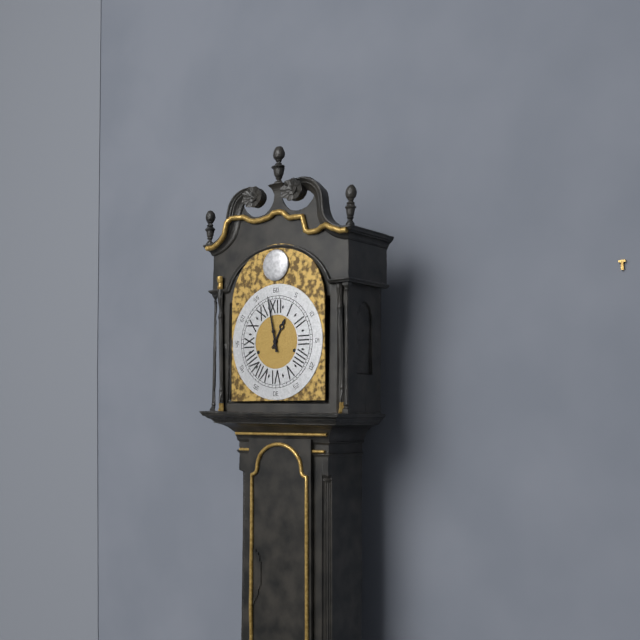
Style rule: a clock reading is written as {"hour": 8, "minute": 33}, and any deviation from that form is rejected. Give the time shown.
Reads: {"hour": 12, "minute": 58}
